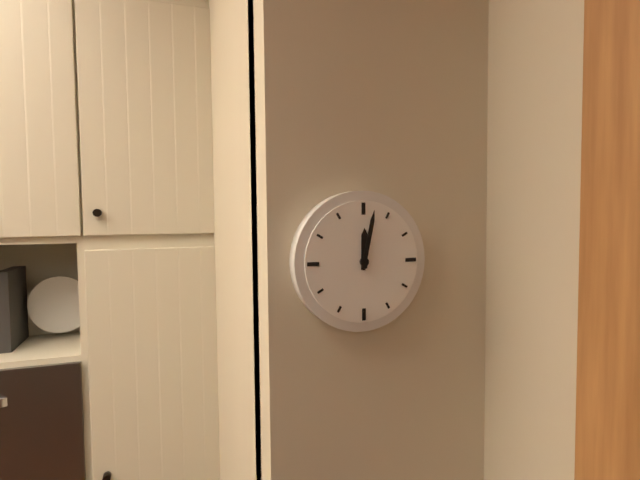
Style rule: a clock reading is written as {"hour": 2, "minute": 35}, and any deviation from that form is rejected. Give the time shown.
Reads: {"hour": 12, "minute": 2}
